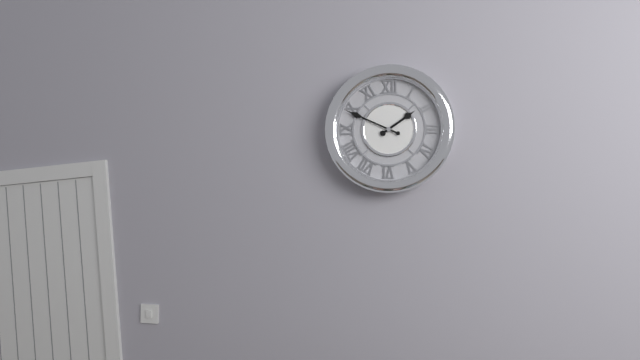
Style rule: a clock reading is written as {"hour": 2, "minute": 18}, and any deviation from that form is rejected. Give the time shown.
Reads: {"hour": 1, "minute": 49}
